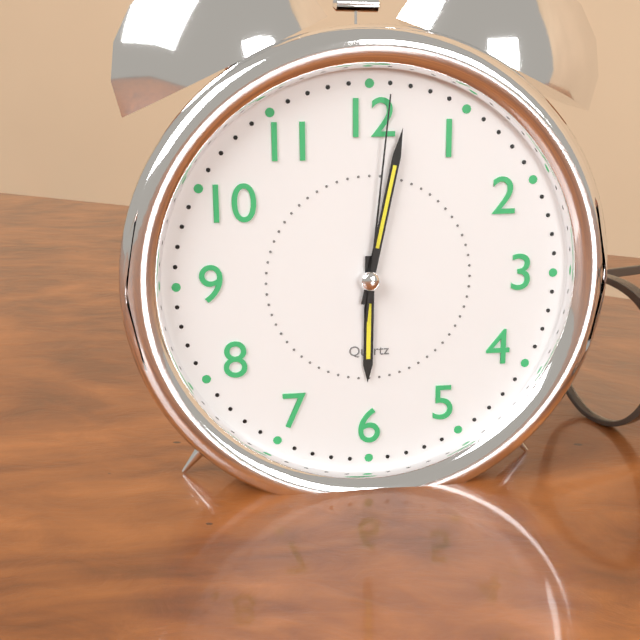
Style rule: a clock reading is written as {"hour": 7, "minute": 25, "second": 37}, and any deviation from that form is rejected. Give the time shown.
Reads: {"hour": 6, "minute": 2, "second": 1}
